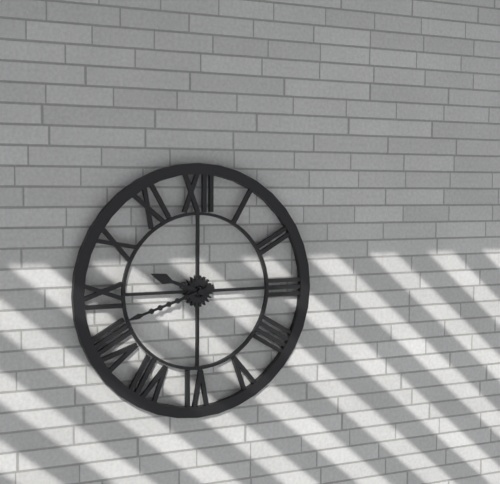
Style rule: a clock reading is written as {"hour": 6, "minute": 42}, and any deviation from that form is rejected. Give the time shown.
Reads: {"hour": 9, "minute": 42}
